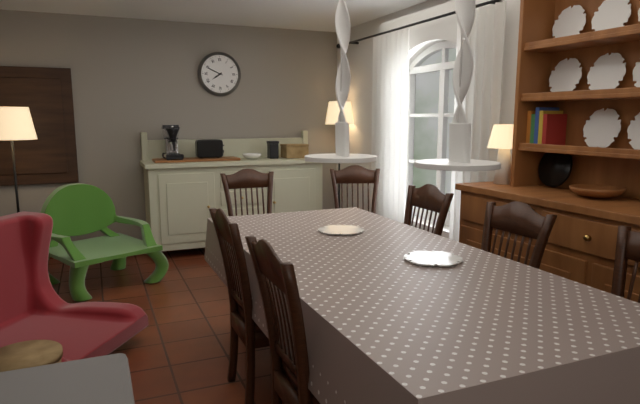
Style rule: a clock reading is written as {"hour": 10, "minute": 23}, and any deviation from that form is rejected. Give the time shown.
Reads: {"hour": 7, "minute": 49}
